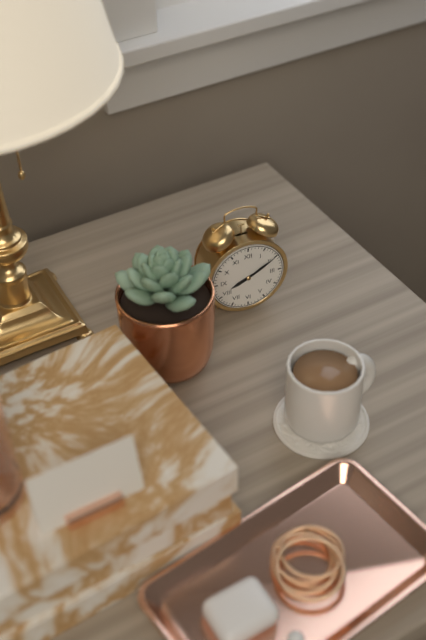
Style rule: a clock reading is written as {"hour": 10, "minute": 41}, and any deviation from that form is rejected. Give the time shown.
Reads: {"hour": 8, "minute": 10}
